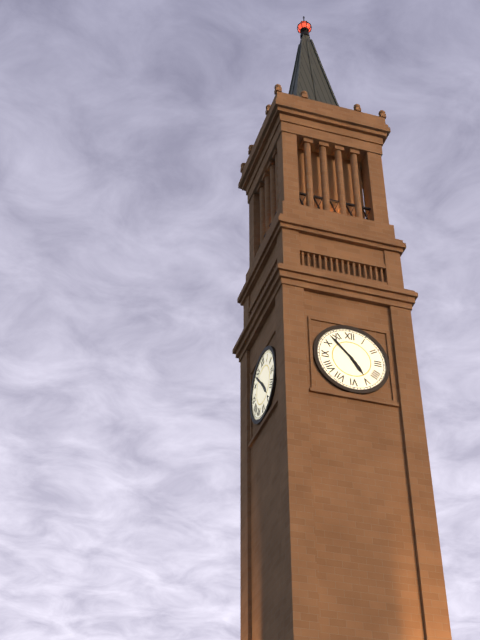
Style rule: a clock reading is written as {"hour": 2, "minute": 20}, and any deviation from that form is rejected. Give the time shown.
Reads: {"hour": 4, "minute": 53}
